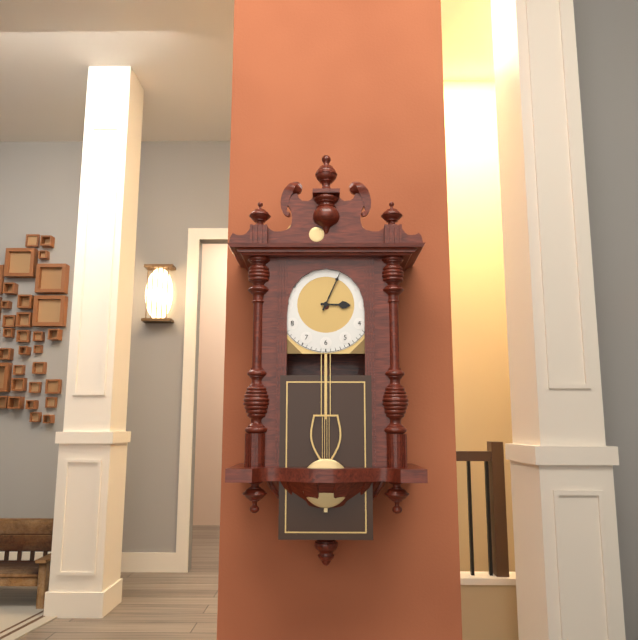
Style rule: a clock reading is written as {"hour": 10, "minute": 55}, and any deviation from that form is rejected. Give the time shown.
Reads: {"hour": 3, "minute": 4}
